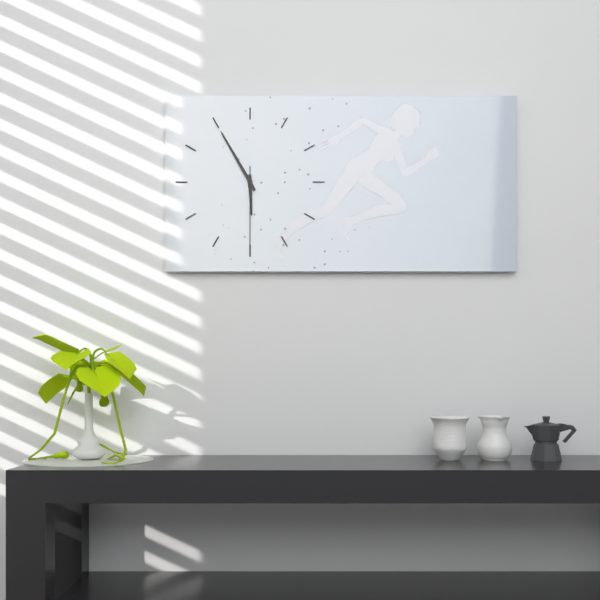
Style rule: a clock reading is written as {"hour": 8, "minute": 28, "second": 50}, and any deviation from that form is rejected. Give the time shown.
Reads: {"hour": 5, "minute": 55, "second": 30}
